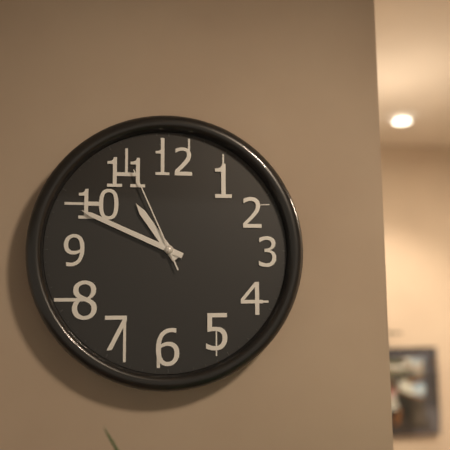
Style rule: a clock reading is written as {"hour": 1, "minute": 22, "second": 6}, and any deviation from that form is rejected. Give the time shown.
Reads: {"hour": 10, "minute": 49, "second": 56}
